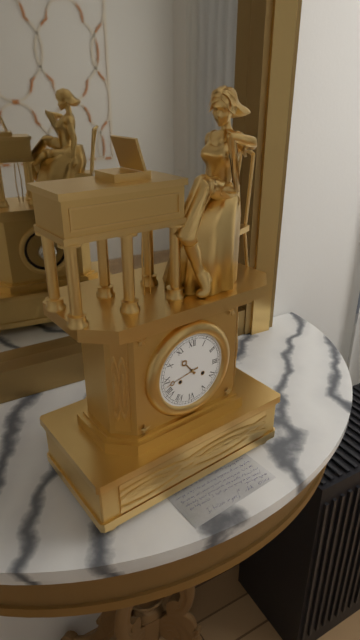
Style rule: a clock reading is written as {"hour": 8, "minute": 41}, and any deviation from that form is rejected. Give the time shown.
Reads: {"hour": 10, "minute": 43}
